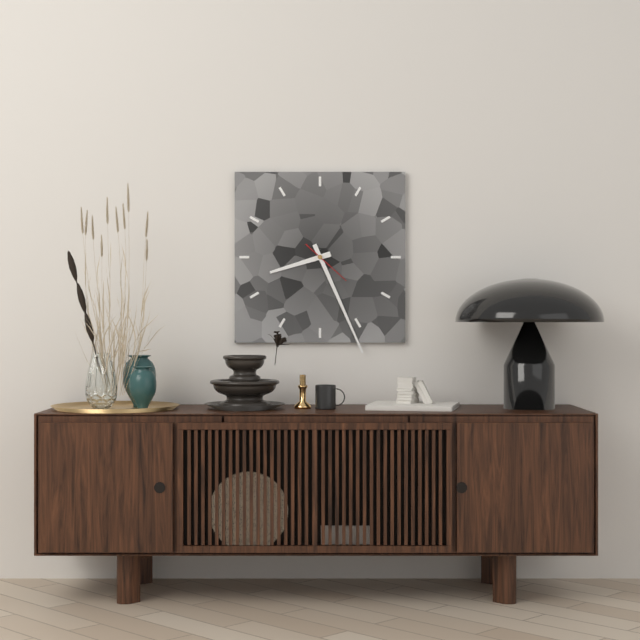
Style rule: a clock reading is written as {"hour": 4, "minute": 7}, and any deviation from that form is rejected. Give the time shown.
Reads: {"hour": 8, "minute": 26}
